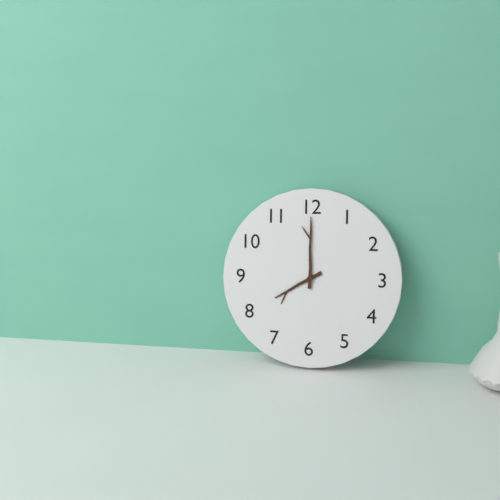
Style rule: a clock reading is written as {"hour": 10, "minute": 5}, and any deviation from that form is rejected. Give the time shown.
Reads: {"hour": 8, "minute": 0}
